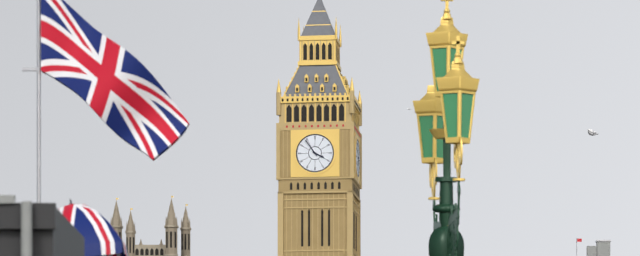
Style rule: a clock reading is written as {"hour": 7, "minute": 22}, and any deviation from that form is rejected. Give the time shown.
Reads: {"hour": 3, "minute": 54}
